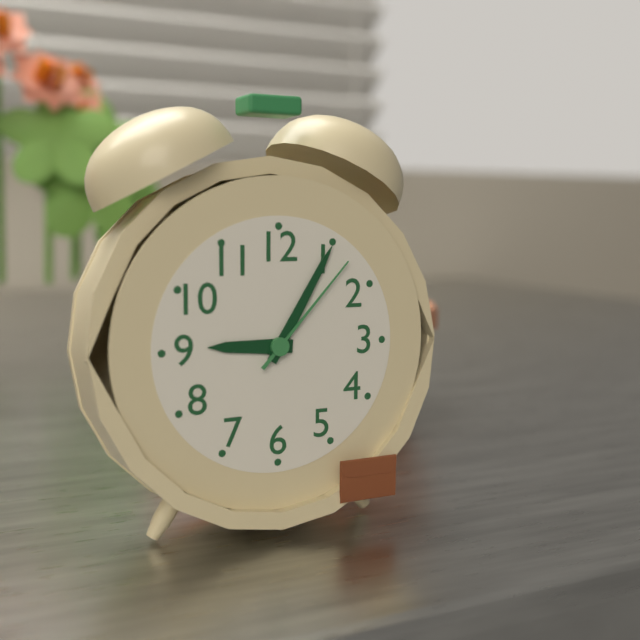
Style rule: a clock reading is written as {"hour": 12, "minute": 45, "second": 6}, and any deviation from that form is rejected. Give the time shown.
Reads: {"hour": 9, "minute": 5, "second": 7}
